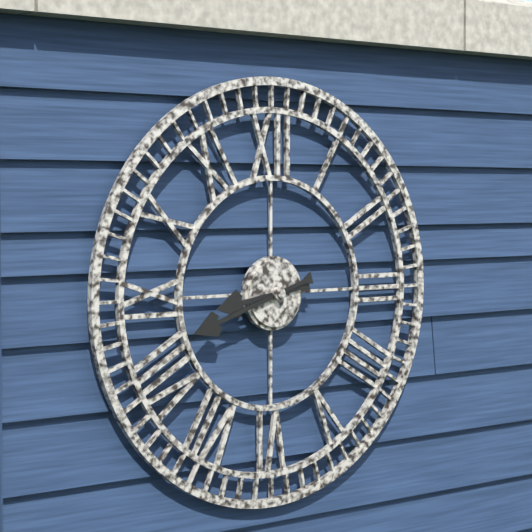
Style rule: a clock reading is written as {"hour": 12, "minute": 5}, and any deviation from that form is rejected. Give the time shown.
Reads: {"hour": 8, "minute": 42}
